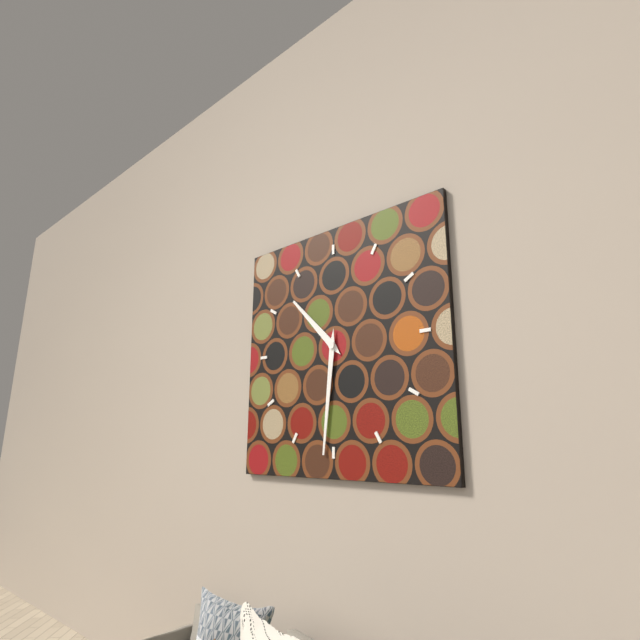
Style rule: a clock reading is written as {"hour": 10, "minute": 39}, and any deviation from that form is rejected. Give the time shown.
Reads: {"hour": 10, "minute": 31}
